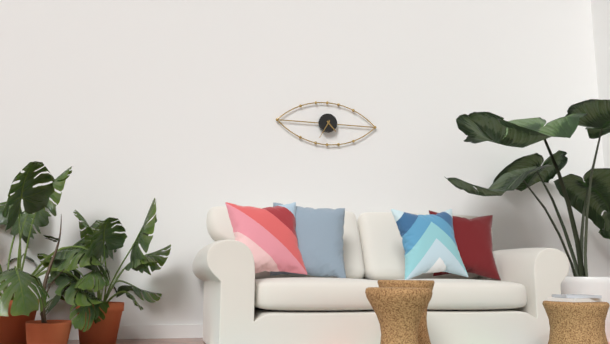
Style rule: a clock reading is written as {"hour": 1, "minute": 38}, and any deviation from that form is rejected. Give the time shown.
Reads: {"hour": 4, "minute": 35}
